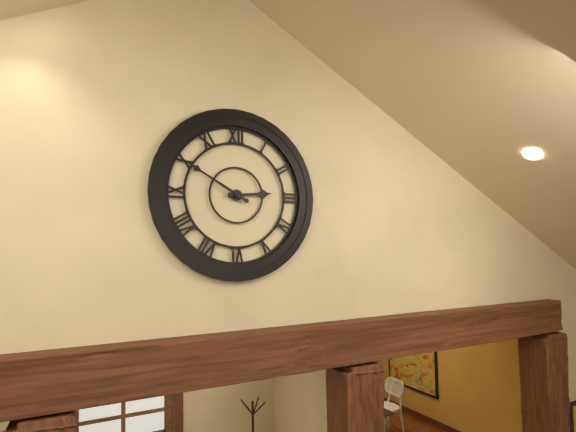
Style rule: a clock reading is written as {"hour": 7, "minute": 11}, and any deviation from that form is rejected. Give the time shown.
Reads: {"hour": 2, "minute": 50}
